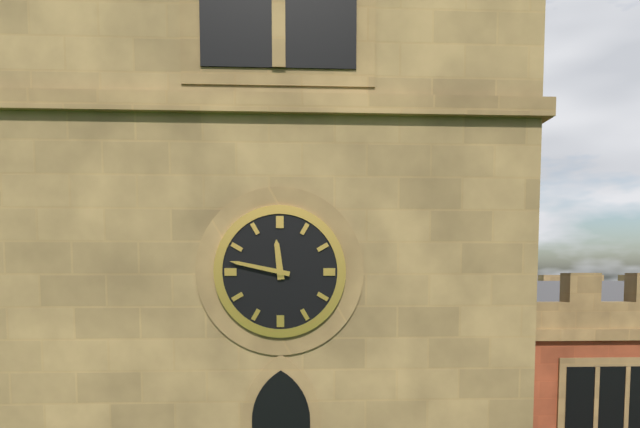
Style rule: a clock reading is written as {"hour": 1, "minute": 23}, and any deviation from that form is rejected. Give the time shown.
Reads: {"hour": 11, "minute": 47}
